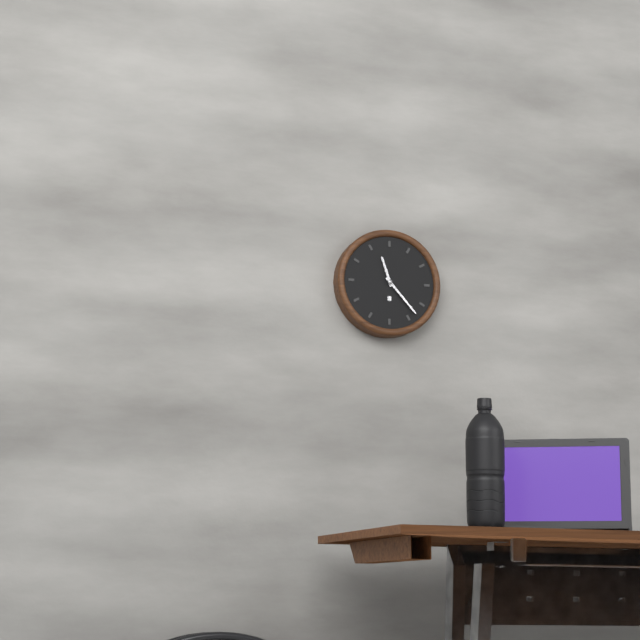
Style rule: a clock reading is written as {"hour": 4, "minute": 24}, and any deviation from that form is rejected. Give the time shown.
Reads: {"hour": 11, "minute": 23}
